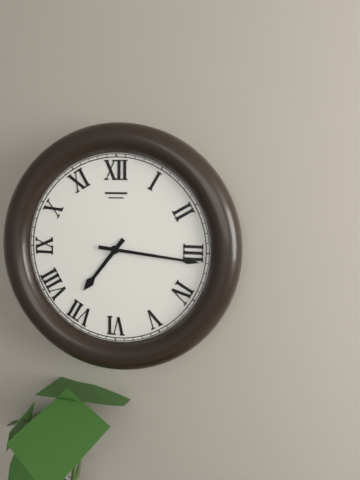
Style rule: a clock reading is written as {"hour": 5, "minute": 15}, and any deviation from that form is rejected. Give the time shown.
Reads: {"hour": 7, "minute": 16}
